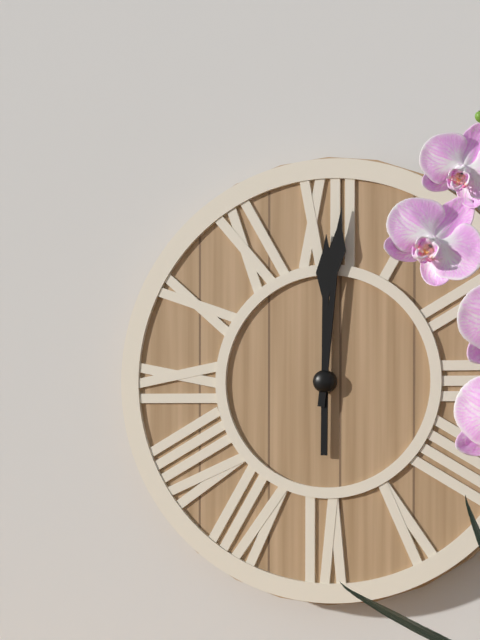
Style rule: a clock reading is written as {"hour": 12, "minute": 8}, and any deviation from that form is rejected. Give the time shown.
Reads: {"hour": 12, "minute": 1}
